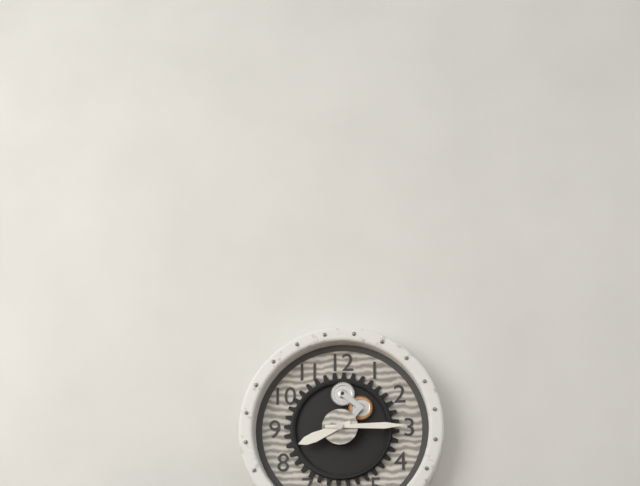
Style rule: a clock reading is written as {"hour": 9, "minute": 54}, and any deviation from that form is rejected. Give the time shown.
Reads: {"hour": 8, "minute": 15}
